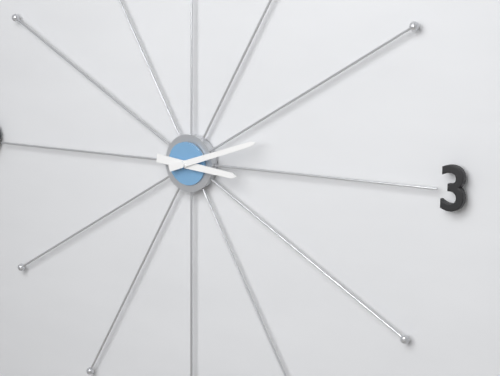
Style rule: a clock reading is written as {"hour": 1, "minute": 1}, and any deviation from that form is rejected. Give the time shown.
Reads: {"hour": 3, "minute": 12}
